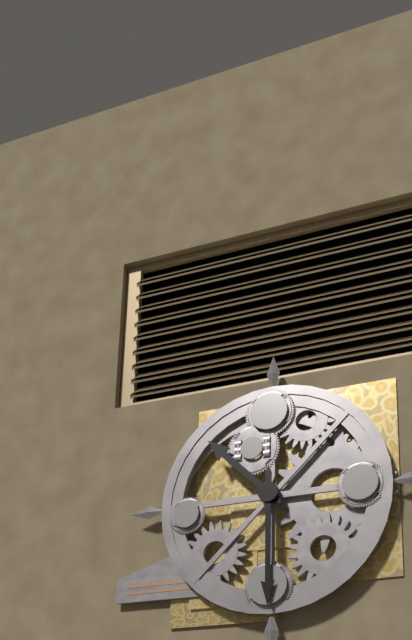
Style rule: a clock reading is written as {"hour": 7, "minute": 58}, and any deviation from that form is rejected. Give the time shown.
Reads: {"hour": 10, "minute": 30}
